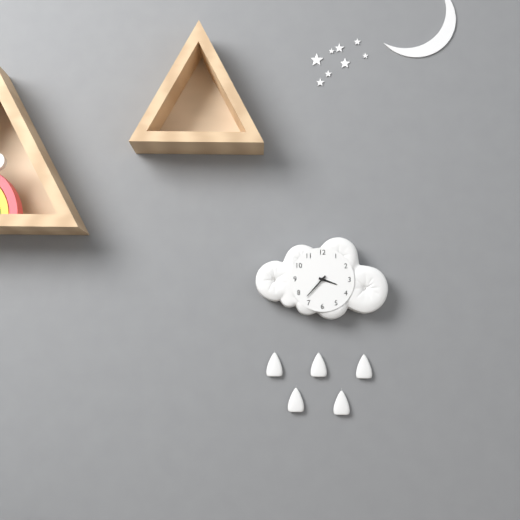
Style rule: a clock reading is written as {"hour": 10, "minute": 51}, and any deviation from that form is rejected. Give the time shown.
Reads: {"hour": 3, "minute": 37}
